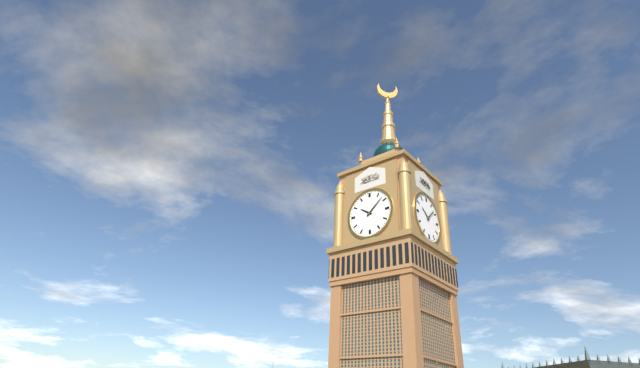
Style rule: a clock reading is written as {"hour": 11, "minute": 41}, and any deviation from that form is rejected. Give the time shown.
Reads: {"hour": 10, "minute": 8}
